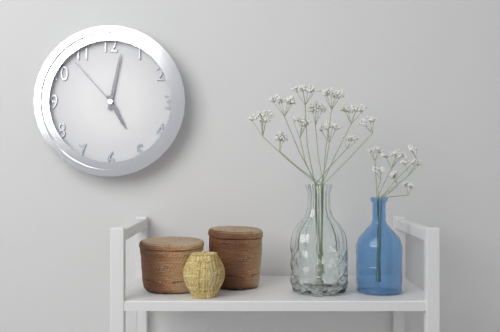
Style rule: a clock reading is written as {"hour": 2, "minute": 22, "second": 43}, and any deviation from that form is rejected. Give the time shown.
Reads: {"hour": 5, "minute": 2, "second": 53}
